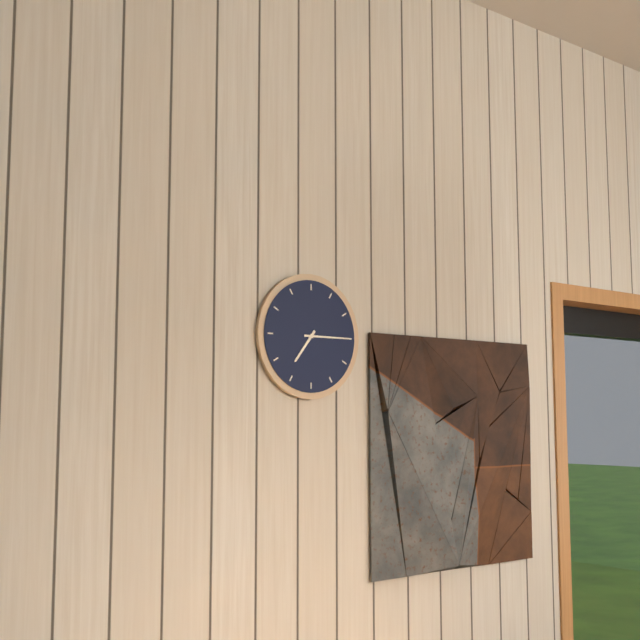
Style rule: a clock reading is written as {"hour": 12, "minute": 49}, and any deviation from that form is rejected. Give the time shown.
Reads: {"hour": 7, "minute": 15}
